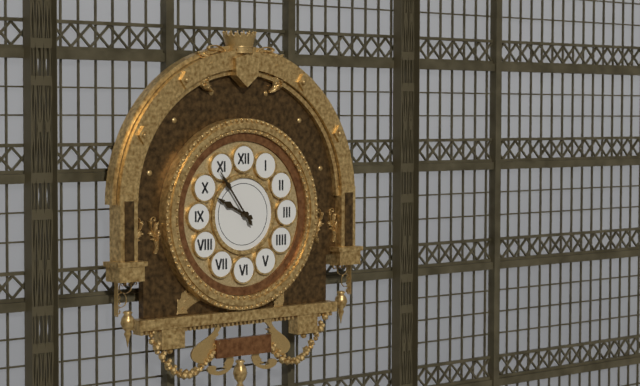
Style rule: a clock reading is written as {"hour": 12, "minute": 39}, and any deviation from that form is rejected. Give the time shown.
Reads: {"hour": 9, "minute": 54}
